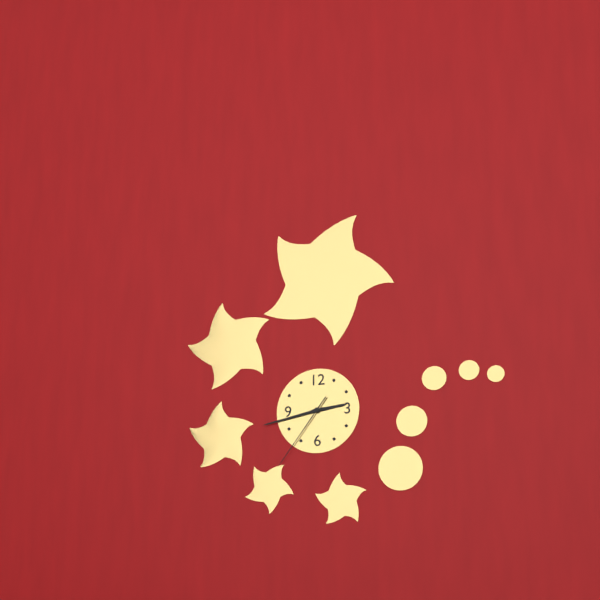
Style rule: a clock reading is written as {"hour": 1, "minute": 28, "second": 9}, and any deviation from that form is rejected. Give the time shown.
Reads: {"hour": 2, "minute": 43, "second": 36}
